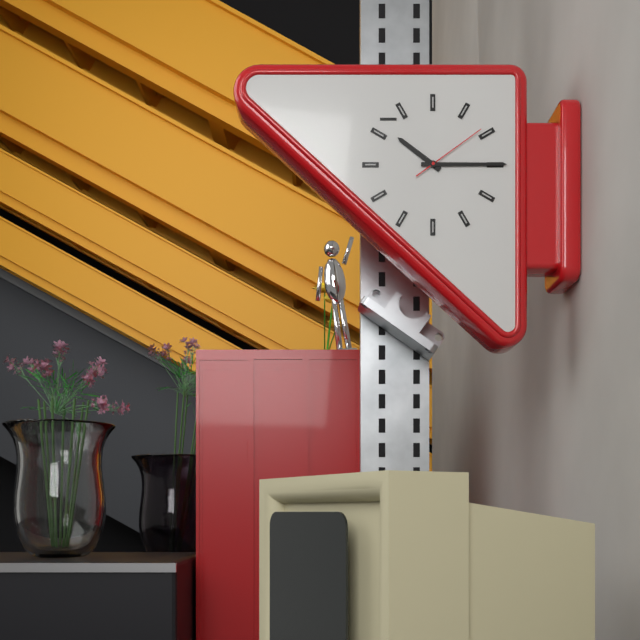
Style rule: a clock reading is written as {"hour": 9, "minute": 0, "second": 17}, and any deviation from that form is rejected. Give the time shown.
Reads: {"hour": 10, "minute": 15, "second": 9}
